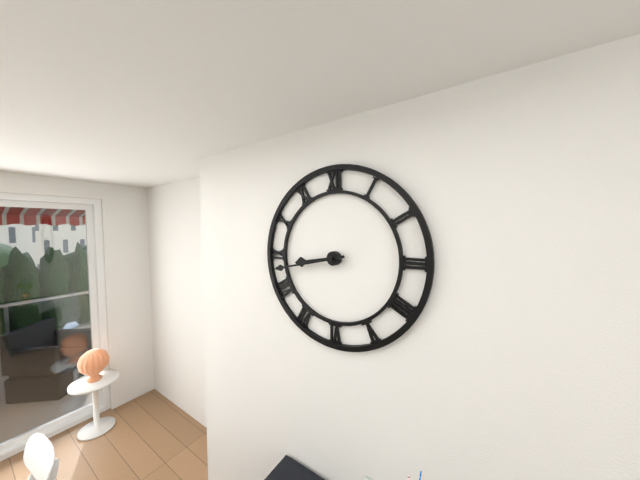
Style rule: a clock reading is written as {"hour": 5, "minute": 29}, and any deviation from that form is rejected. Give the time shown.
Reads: {"hour": 8, "minute": 43}
